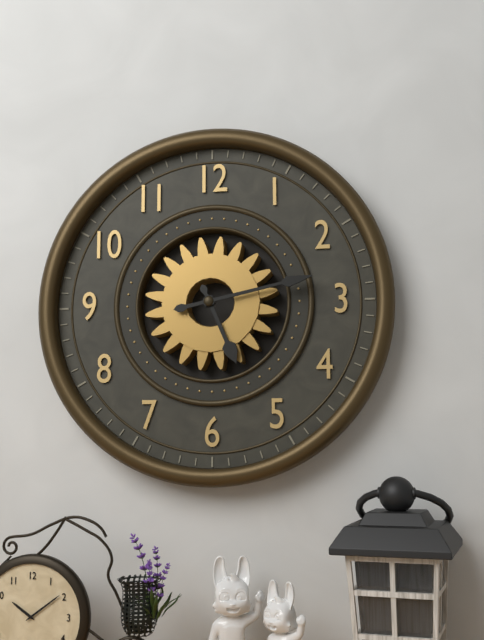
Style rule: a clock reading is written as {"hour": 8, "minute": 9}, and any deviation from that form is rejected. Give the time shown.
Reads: {"hour": 5, "minute": 13}
